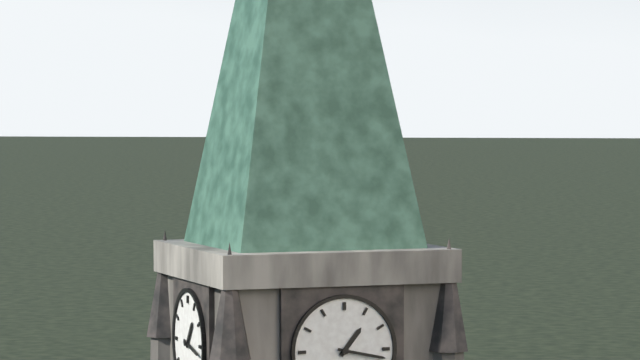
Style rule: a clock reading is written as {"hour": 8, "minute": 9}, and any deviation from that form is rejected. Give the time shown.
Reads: {"hour": 1, "minute": 17}
